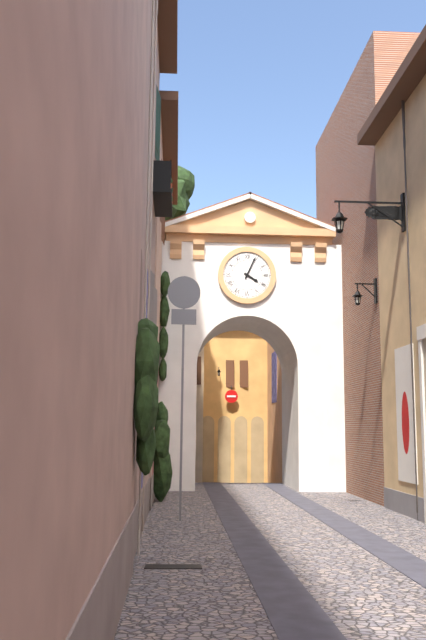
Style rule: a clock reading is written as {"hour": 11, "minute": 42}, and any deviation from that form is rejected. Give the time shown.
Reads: {"hour": 4, "minute": 4}
